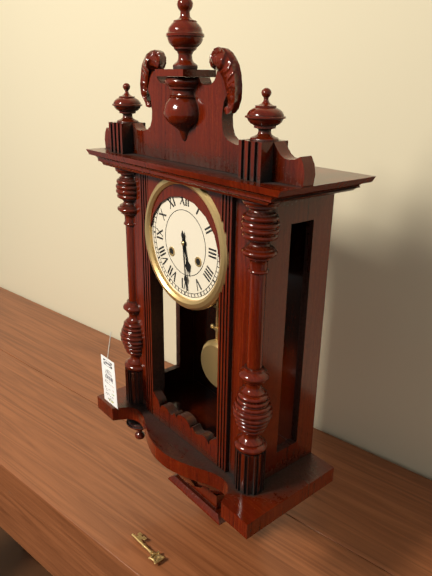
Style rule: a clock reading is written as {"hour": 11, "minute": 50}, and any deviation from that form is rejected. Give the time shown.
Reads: {"hour": 5, "minute": 29}
